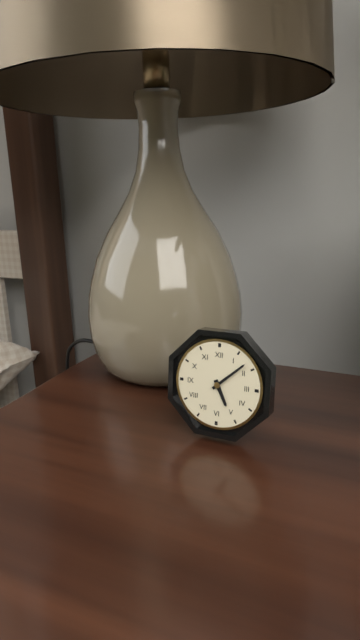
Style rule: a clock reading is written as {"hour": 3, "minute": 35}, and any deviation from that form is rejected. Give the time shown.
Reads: {"hour": 5, "minute": 8}
